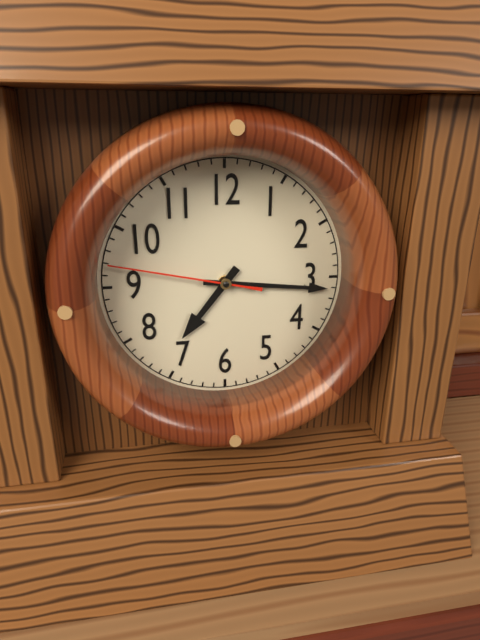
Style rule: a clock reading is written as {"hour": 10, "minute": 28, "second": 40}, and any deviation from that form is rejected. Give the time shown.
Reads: {"hour": 7, "minute": 16, "second": 47}
